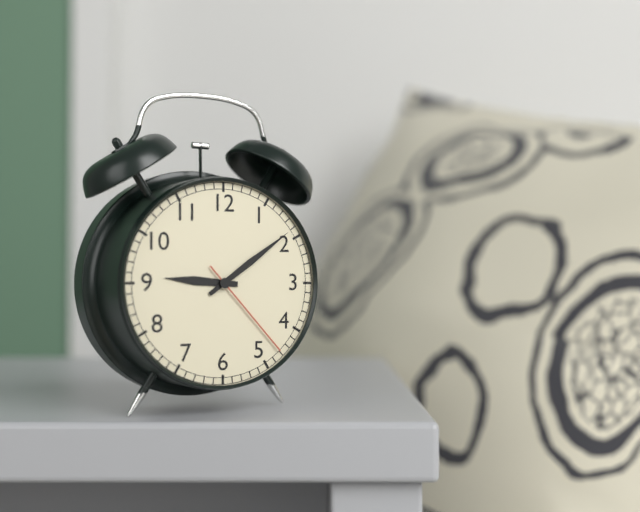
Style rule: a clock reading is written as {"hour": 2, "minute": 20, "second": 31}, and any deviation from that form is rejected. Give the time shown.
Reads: {"hour": 9, "minute": 9, "second": 23}
